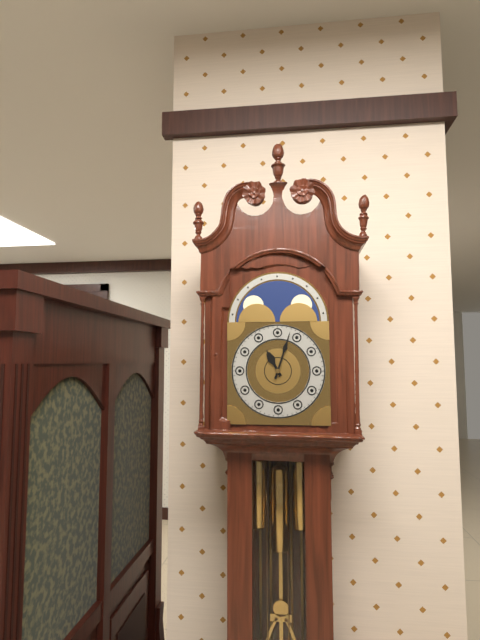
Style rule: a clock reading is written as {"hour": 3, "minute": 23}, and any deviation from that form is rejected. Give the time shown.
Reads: {"hour": 11, "minute": 3}
